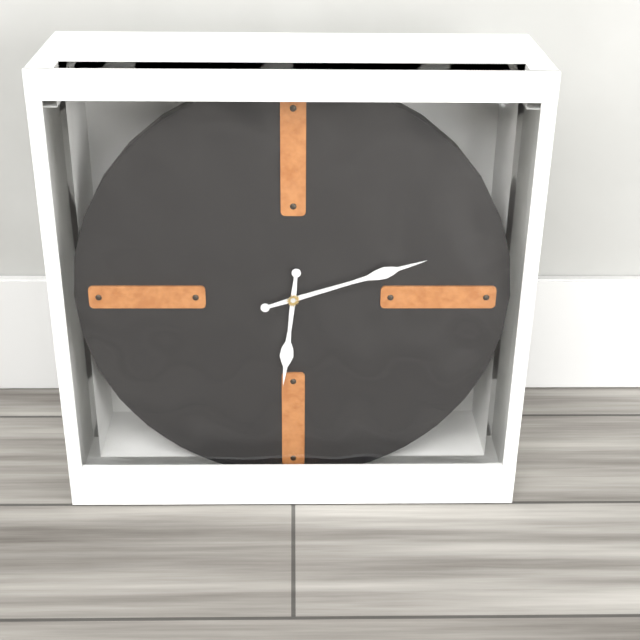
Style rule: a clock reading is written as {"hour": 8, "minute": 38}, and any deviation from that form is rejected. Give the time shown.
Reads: {"hour": 6, "minute": 12}
